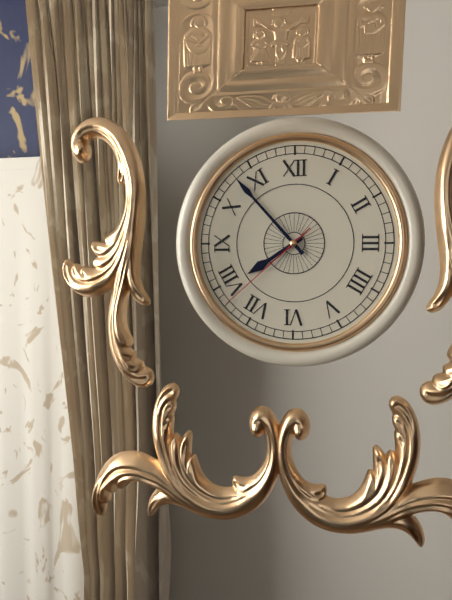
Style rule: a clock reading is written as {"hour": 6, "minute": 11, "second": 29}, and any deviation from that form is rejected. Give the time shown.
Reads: {"hour": 7, "minute": 53, "second": 38}
